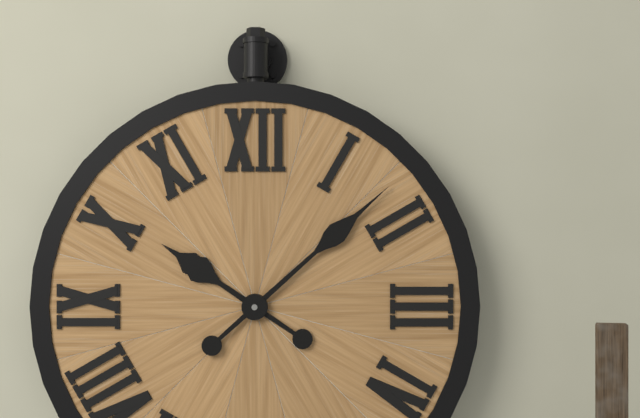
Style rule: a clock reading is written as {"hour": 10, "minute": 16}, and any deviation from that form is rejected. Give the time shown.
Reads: {"hour": 10, "minute": 8}
